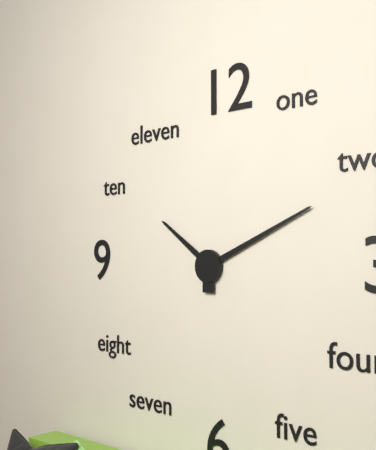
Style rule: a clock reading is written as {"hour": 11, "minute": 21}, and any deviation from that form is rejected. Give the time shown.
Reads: {"hour": 10, "minute": 11}
